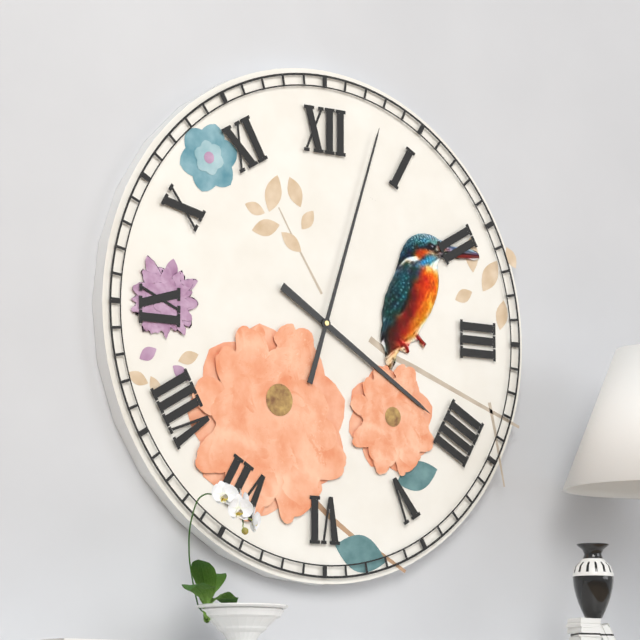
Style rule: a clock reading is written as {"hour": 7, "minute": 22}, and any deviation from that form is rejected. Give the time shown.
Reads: {"hour": 4, "minute": 3}
